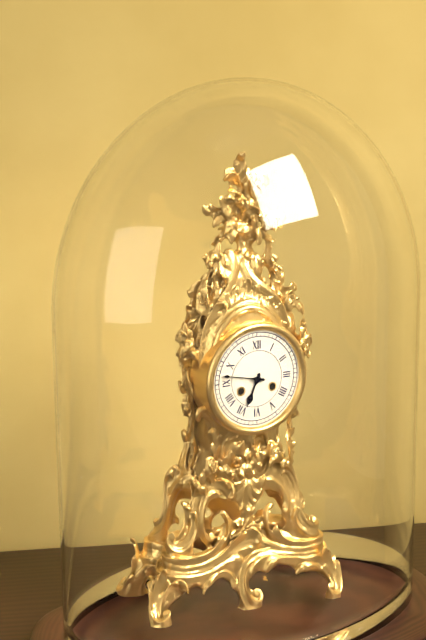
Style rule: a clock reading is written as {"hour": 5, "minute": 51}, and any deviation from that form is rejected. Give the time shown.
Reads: {"hour": 6, "minute": 47}
